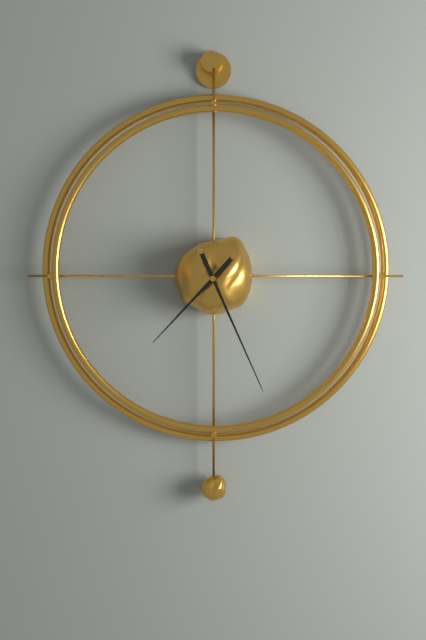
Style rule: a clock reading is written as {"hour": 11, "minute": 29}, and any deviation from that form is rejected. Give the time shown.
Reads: {"hour": 7, "minute": 26}
